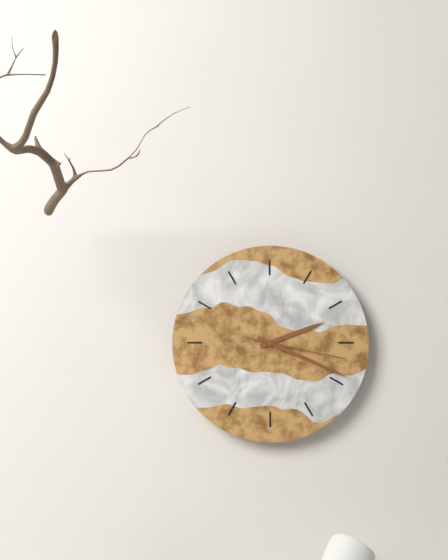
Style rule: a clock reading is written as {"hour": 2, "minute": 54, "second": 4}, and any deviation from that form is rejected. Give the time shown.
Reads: {"hour": 2, "minute": 19, "second": 17}
